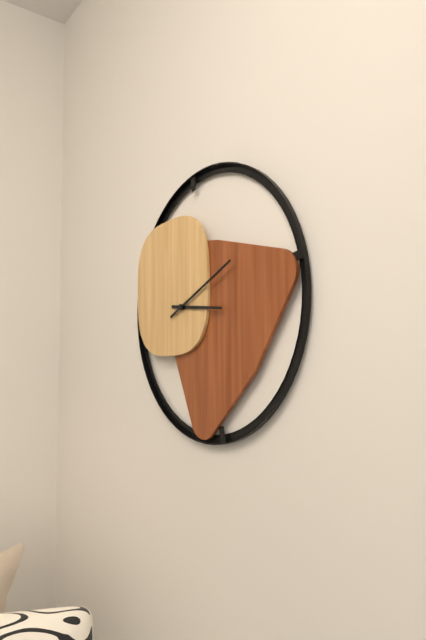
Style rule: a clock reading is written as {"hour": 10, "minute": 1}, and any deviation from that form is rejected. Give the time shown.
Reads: {"hour": 3, "minute": 11}
